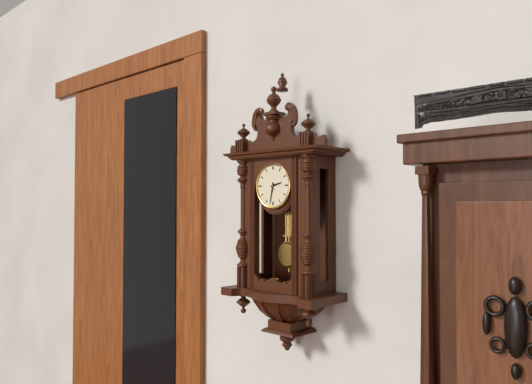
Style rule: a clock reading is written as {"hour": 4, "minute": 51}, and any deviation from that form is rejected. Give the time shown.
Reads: {"hour": 2, "minute": 32}
